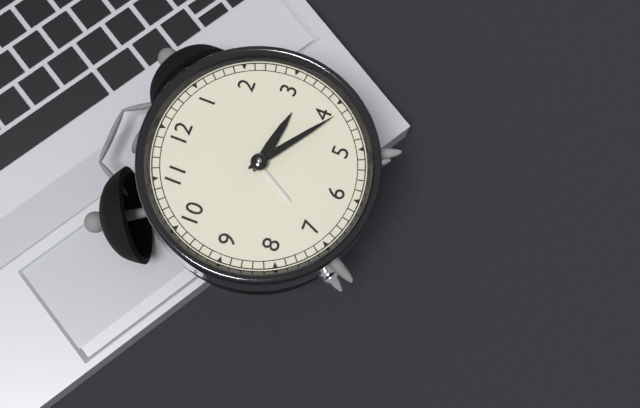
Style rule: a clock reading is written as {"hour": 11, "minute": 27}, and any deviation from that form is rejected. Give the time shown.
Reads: {"hour": 3, "minute": 21}
